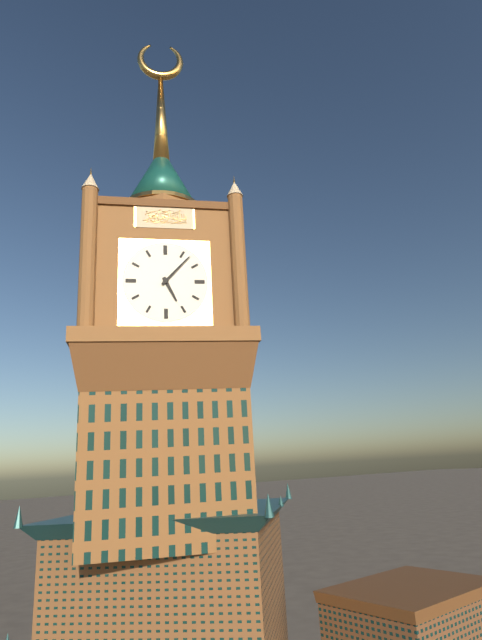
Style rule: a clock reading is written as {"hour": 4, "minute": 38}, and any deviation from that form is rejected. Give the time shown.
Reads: {"hour": 5, "minute": 7}
